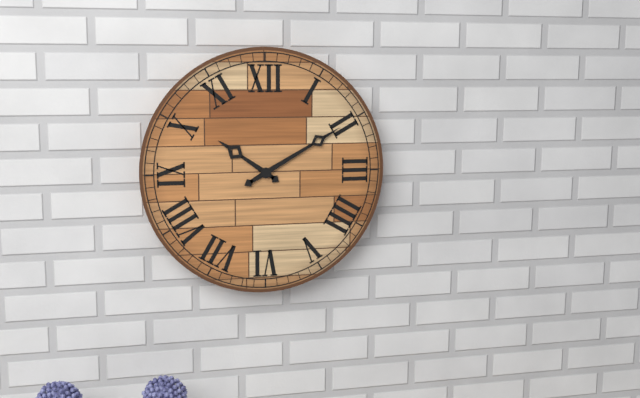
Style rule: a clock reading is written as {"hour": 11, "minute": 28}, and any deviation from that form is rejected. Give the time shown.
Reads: {"hour": 10, "minute": 10}
